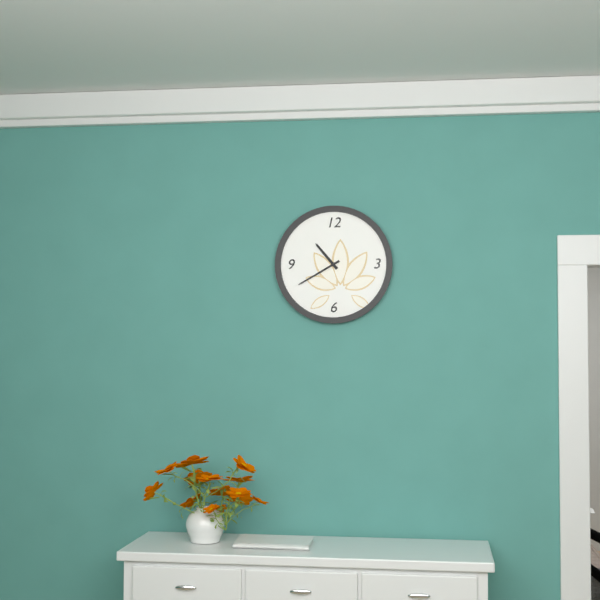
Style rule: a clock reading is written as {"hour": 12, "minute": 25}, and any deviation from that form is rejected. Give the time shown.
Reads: {"hour": 10, "minute": 40}
